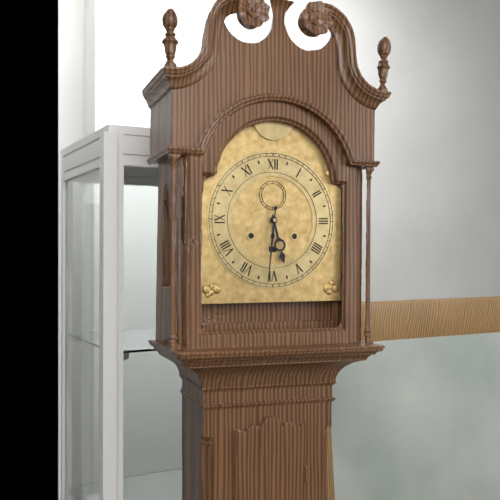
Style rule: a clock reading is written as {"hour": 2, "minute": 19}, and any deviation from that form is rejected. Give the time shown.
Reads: {"hour": 5, "minute": 31}
